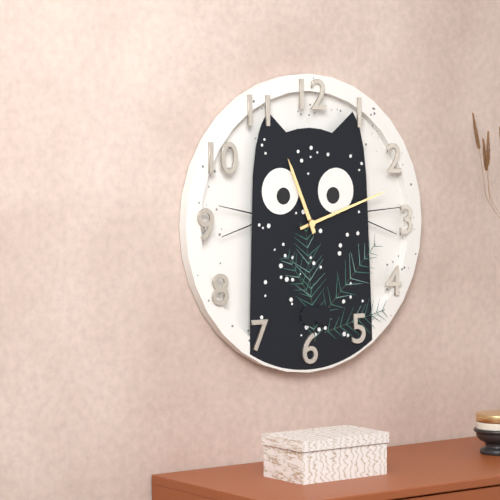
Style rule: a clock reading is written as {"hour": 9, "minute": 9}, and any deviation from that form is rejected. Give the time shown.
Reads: {"hour": 11, "minute": 12}
